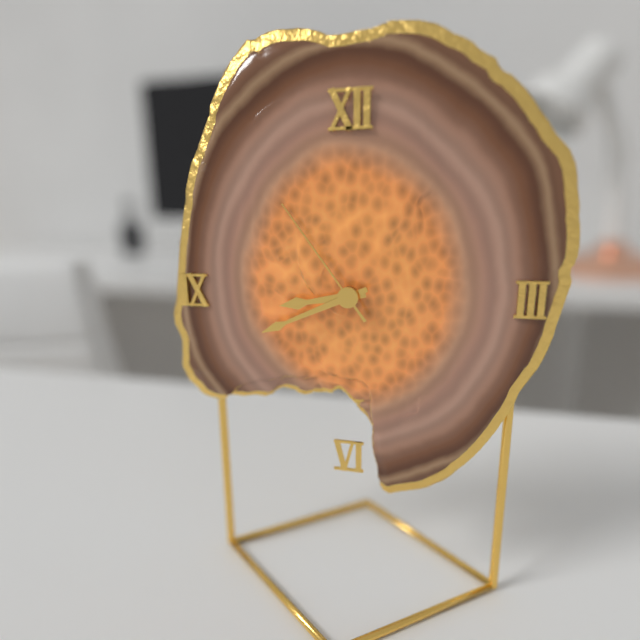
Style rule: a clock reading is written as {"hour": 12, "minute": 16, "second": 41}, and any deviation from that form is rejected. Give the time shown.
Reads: {"hour": 8, "minute": 41, "second": 54}
